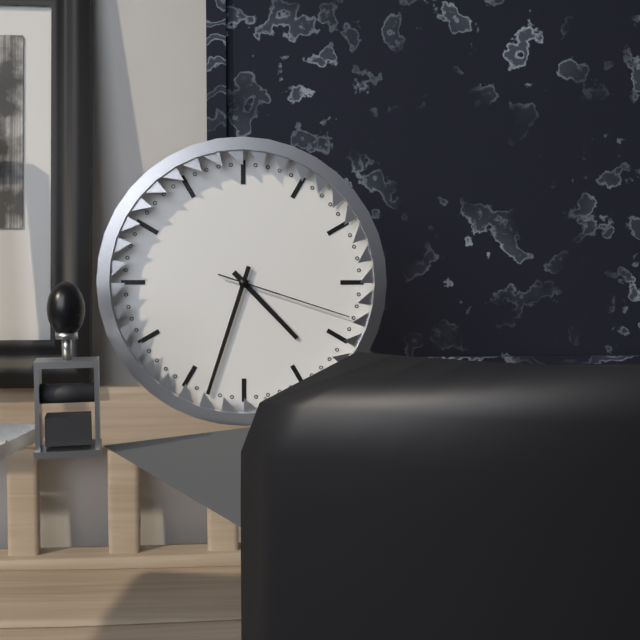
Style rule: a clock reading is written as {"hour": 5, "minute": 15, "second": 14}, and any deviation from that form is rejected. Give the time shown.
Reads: {"hour": 4, "minute": 33, "second": 18}
